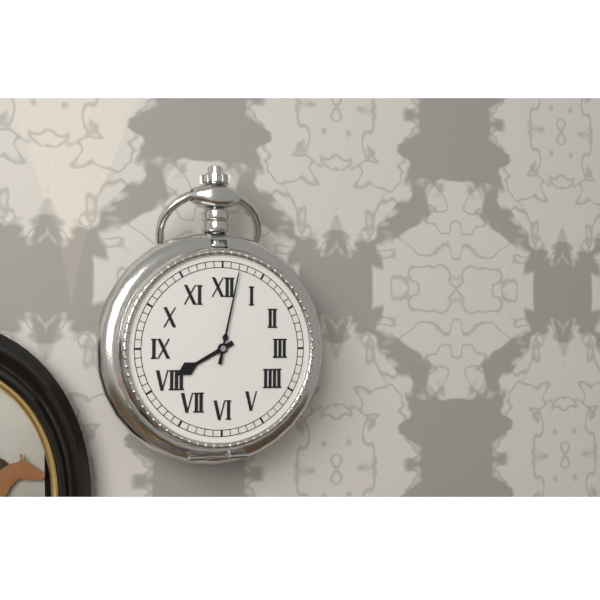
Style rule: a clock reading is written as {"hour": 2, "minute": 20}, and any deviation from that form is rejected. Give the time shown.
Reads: {"hour": 8, "minute": 2}
